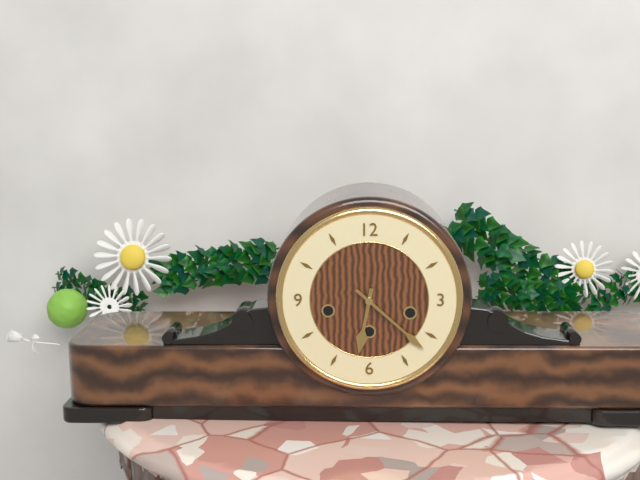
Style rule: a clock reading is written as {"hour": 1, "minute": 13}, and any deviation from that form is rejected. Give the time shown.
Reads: {"hour": 6, "minute": 22}
